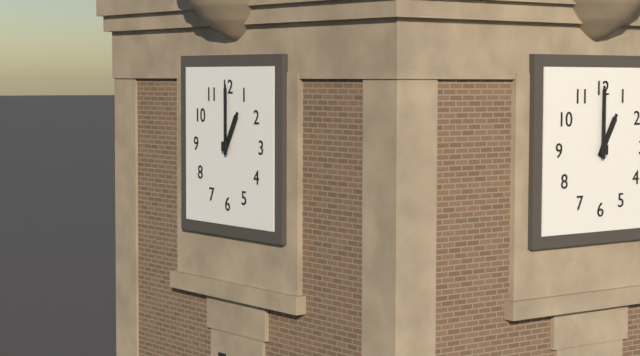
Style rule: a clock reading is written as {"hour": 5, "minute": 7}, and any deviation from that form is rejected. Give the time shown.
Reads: {"hour": 1, "minute": 0}
